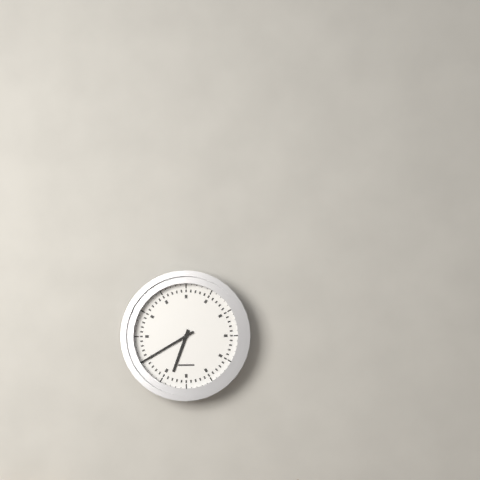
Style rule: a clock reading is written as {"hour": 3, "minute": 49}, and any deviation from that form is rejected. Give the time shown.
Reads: {"hour": 6, "minute": 40}
